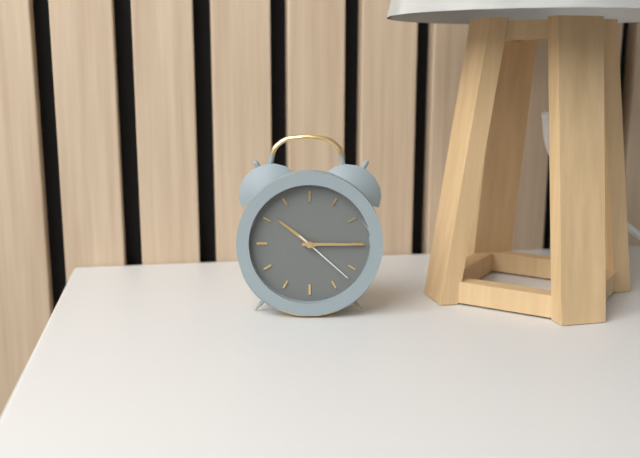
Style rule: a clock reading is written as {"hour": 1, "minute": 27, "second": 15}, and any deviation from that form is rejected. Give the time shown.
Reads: {"hour": 10, "minute": 15, "second": 22}
